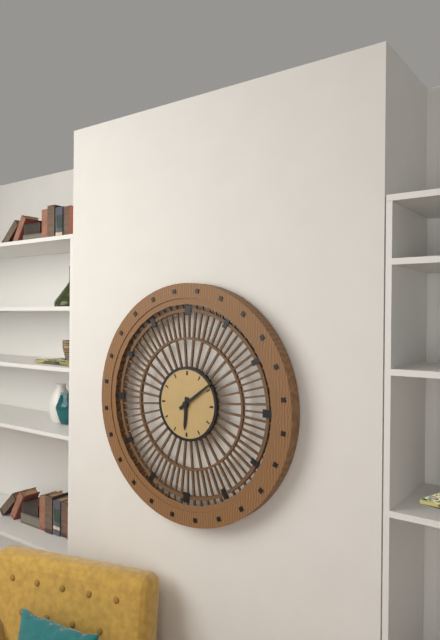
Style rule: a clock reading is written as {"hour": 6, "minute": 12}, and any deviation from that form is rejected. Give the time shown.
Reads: {"hour": 6, "minute": 9}
